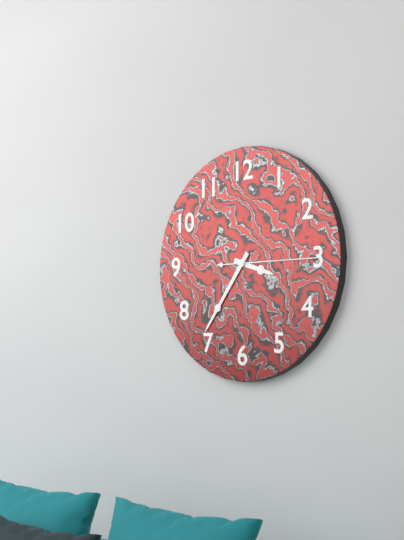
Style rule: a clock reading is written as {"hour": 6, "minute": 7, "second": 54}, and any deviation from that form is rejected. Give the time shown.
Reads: {"hour": 3, "minute": 36, "second": 15}
